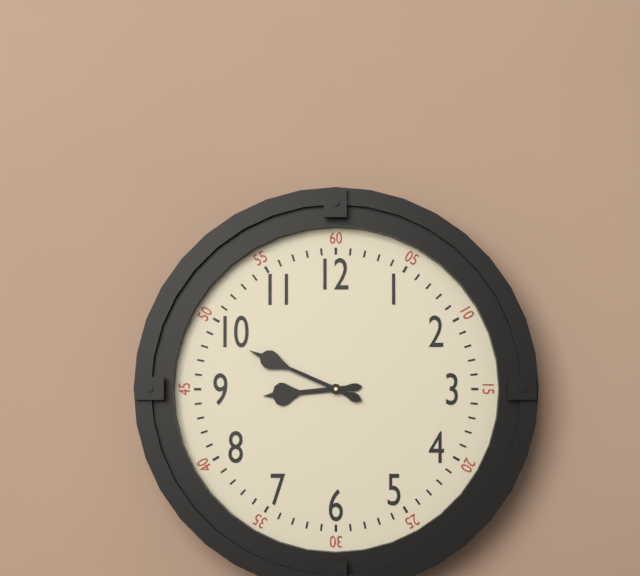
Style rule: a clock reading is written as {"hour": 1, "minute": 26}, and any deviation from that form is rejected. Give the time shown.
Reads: {"hour": 8, "minute": 49}
